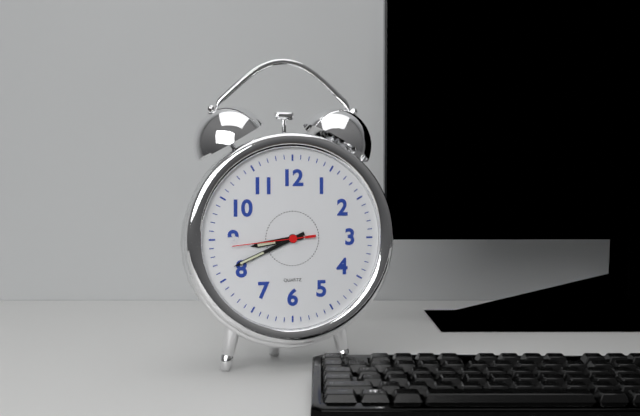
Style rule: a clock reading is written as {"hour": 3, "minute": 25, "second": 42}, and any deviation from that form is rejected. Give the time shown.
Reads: {"hour": 8, "minute": 41, "second": 44}
